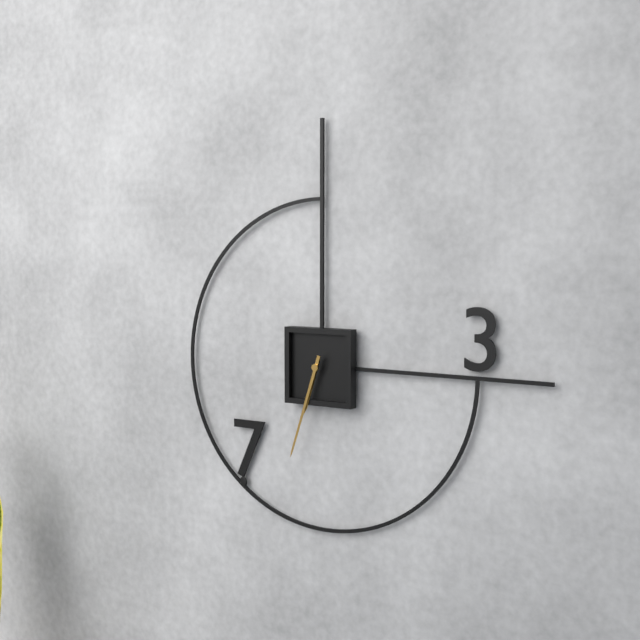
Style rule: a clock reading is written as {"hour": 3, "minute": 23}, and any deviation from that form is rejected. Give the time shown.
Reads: {"hour": 6, "minute": 33}
